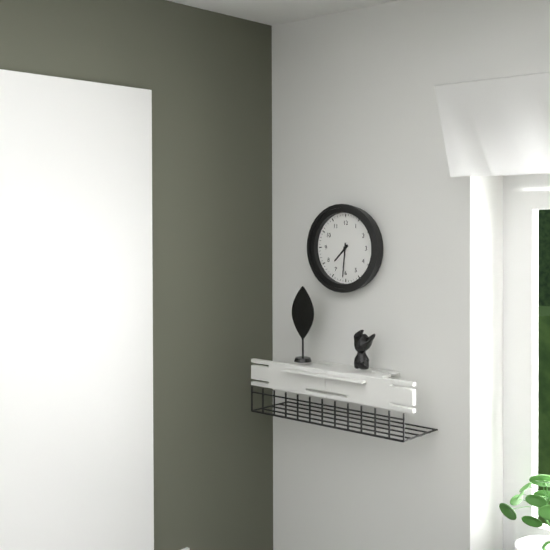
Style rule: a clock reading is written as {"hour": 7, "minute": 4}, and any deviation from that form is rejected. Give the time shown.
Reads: {"hour": 7, "minute": 31}
